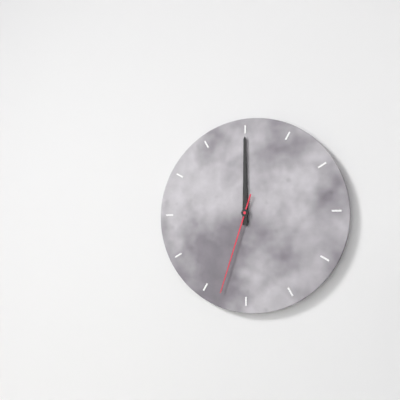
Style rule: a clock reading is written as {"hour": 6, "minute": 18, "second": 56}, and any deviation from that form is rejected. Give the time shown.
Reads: {"hour": 12, "minute": 0, "second": 33}
